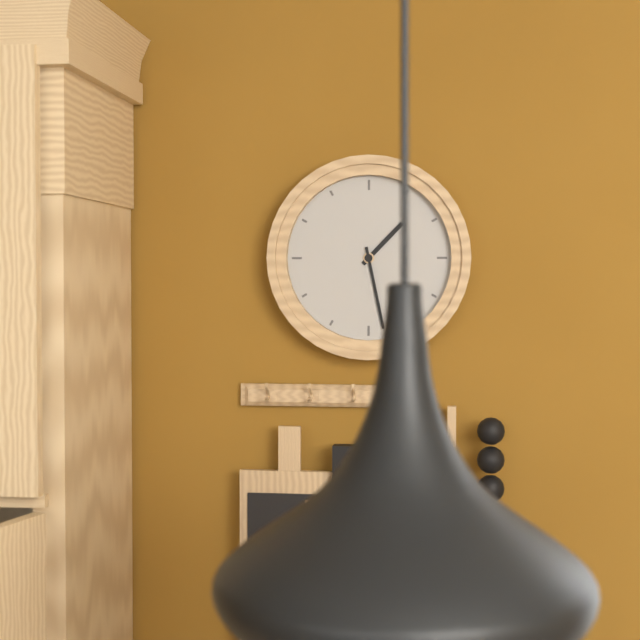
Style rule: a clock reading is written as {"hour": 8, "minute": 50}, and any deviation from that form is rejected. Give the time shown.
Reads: {"hour": 1, "minute": 28}
